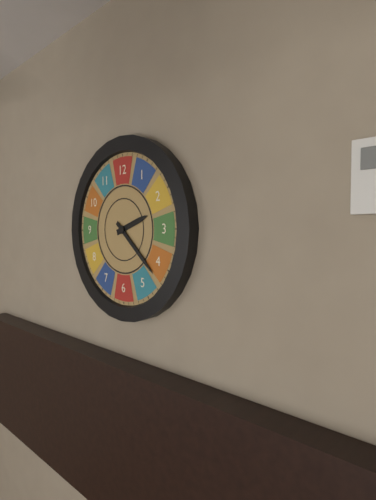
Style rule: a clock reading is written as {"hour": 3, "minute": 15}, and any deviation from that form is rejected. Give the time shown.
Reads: {"hour": 2, "minute": 22}
